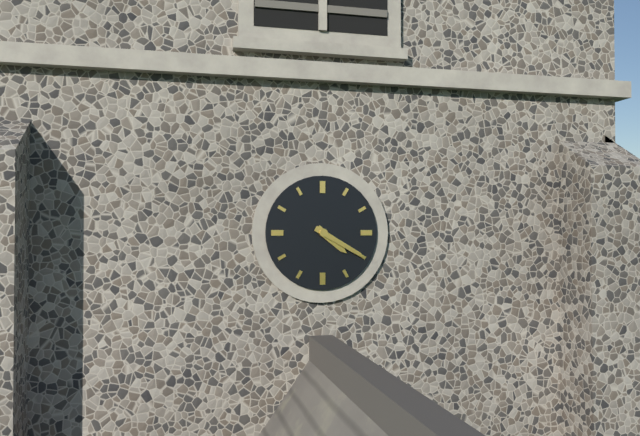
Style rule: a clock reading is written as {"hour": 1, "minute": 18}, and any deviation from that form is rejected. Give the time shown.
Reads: {"hour": 4, "minute": 20}
